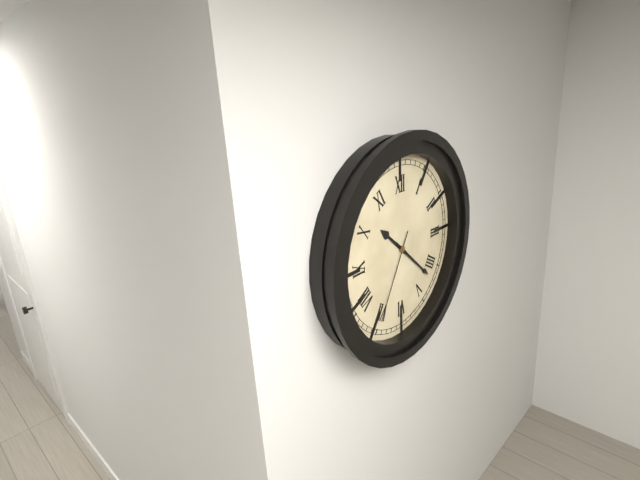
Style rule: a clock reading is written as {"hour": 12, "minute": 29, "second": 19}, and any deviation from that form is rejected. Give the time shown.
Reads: {"hour": 10, "minute": 22, "second": 35}
